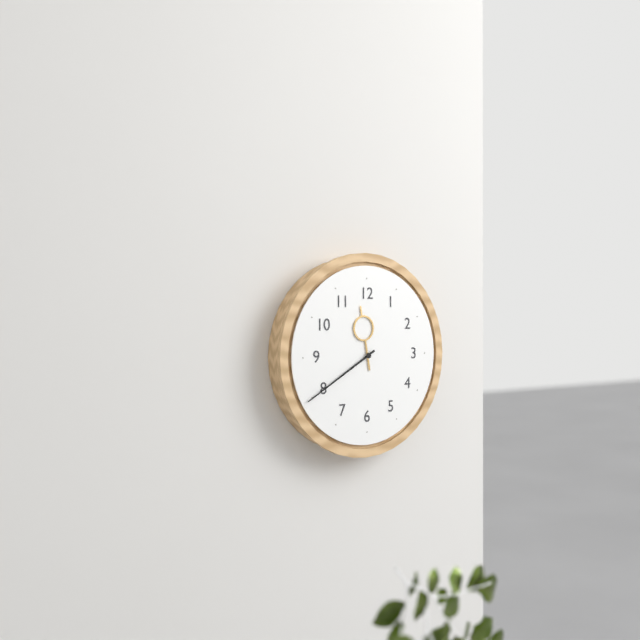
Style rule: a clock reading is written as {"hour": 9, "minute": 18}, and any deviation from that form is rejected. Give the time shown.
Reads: {"hour": 11, "minute": 40}
